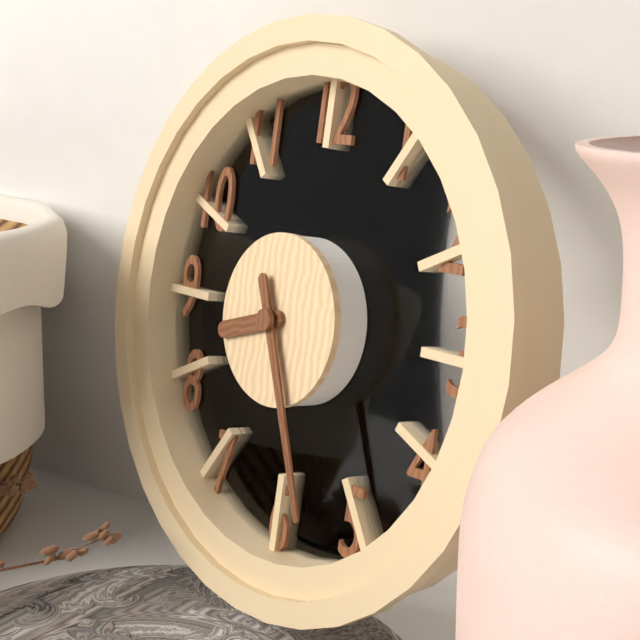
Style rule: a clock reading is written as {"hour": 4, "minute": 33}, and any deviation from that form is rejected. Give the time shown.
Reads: {"hour": 8, "minute": 26}
